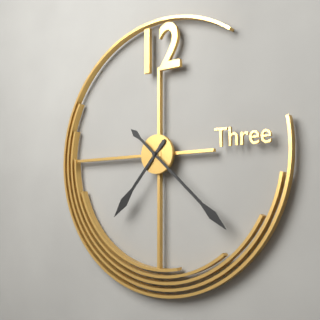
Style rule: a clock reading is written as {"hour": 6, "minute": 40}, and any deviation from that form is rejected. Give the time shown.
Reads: {"hour": 7, "minute": 22}
